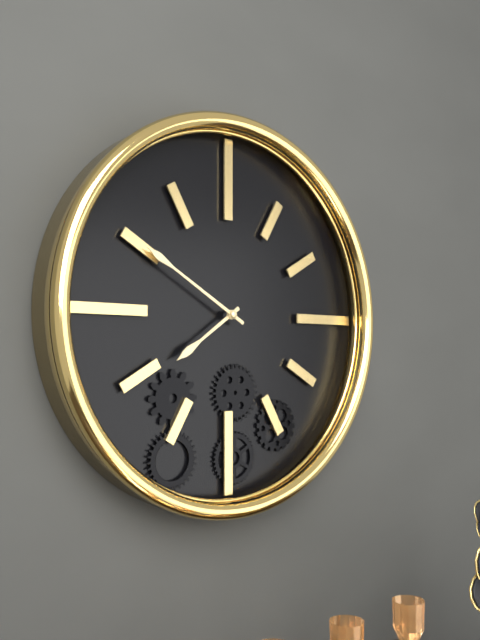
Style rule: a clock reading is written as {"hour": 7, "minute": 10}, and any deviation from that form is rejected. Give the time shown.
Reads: {"hour": 7, "minute": 50}
